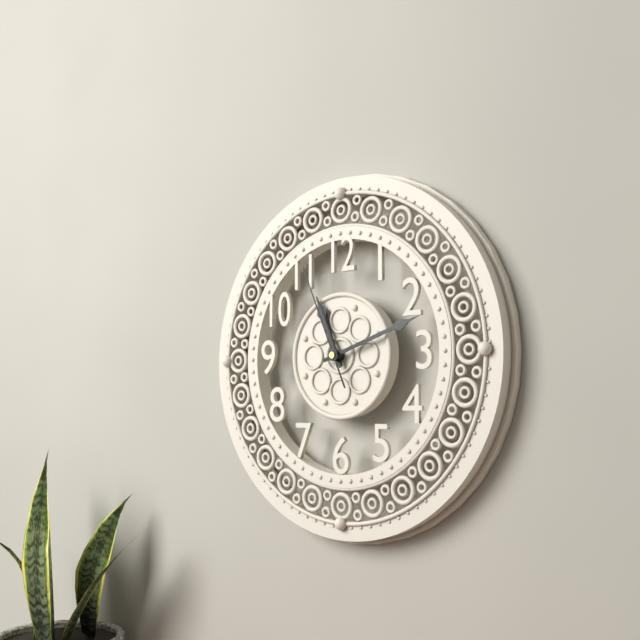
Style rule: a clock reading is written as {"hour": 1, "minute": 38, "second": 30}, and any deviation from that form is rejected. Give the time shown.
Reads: {"hour": 11, "minute": 12, "second": 56}
